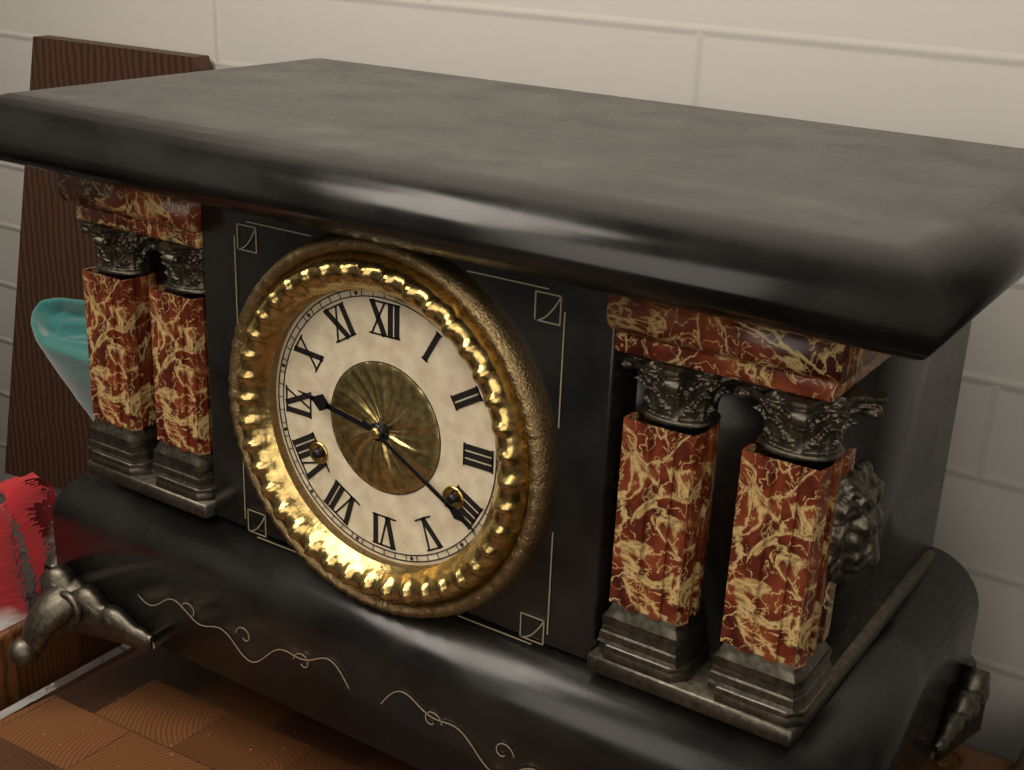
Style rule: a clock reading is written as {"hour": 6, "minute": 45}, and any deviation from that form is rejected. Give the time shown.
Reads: {"hour": 9, "minute": 20}
